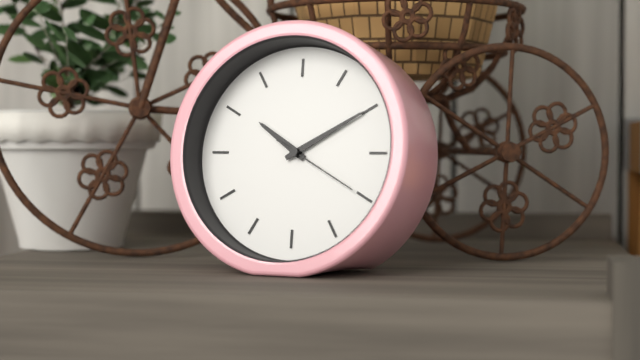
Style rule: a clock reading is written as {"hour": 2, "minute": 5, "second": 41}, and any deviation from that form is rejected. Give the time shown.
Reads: {"hour": 10, "minute": 10, "second": 20}
